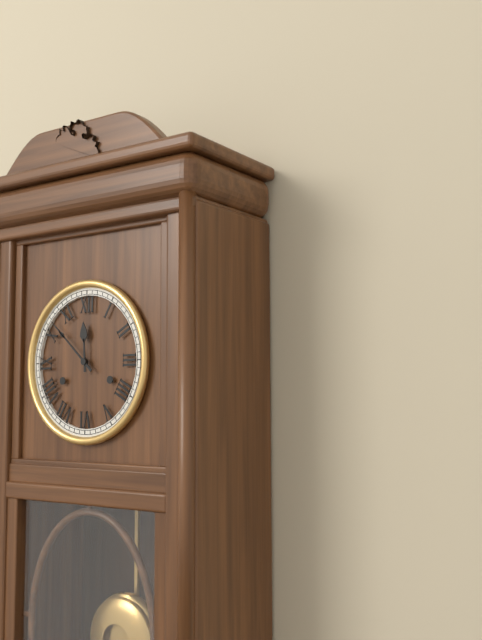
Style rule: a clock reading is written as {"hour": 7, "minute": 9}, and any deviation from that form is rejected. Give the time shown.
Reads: {"hour": 11, "minute": 52}
